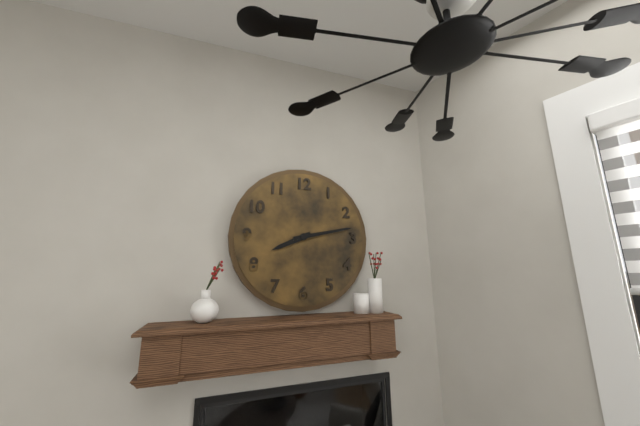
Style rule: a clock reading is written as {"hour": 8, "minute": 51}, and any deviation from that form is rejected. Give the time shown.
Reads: {"hour": 8, "minute": 13}
